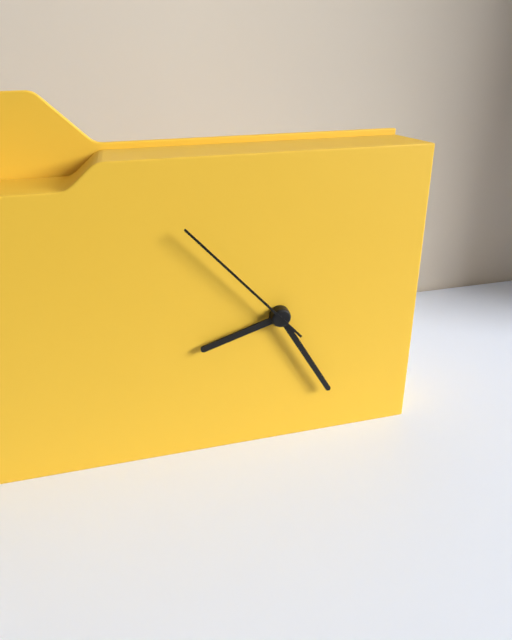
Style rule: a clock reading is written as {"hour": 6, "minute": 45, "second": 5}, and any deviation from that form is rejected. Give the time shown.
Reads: {"hour": 8, "minute": 25, "second": 53}
